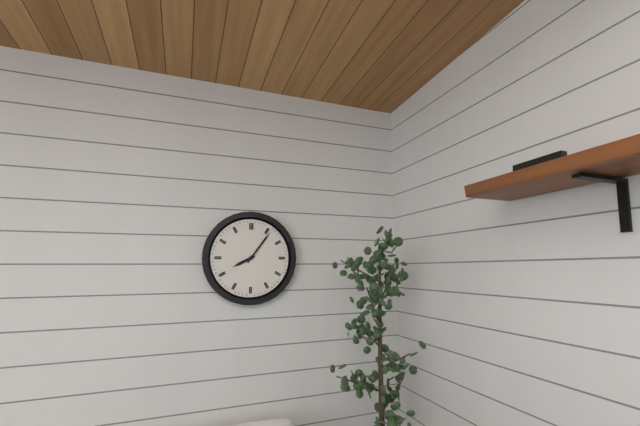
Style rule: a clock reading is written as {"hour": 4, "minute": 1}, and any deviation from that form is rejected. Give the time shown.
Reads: {"hour": 8, "minute": 6}
